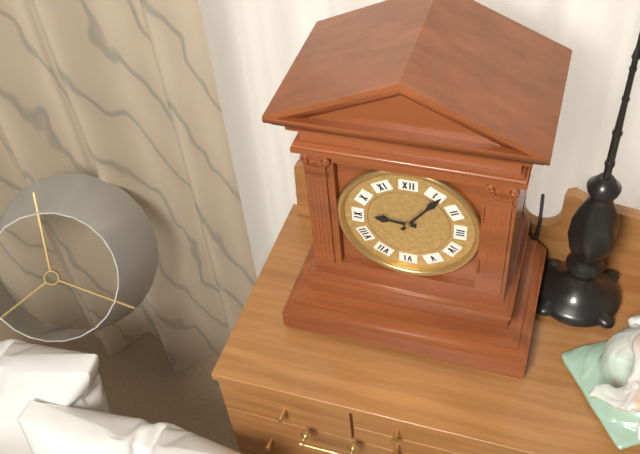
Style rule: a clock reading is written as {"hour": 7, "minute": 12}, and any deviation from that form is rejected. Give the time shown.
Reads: {"hour": 9, "minute": 6}
